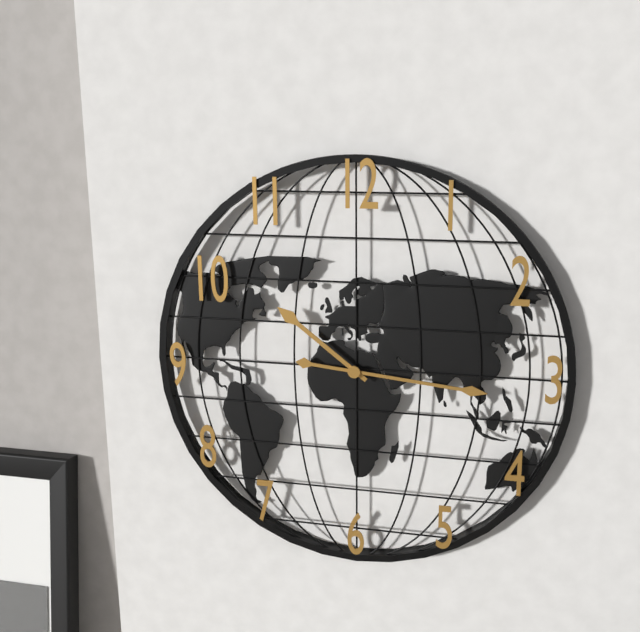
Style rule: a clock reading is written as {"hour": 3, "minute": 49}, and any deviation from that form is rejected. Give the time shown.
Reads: {"hour": 10, "minute": 16}
